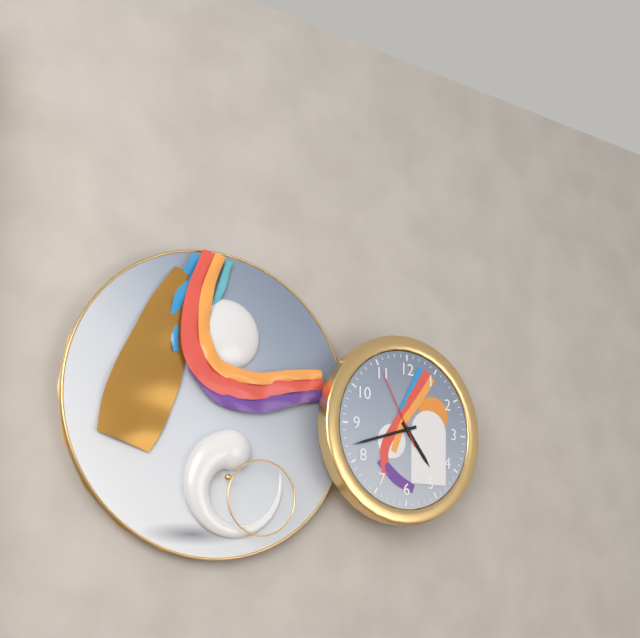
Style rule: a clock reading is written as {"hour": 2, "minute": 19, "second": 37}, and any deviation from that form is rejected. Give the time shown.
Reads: {"hour": 4, "minute": 42, "second": 55}
